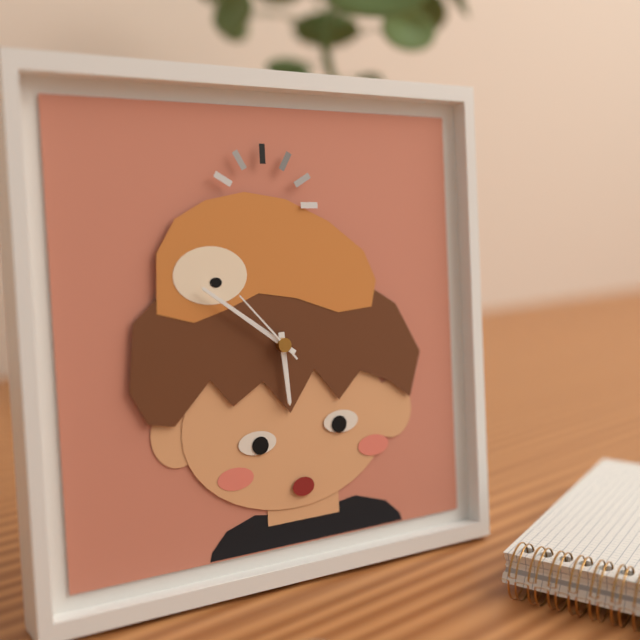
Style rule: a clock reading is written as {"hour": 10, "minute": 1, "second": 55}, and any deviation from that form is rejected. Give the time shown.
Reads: {"hour": 5, "minute": 51, "second": 53}
